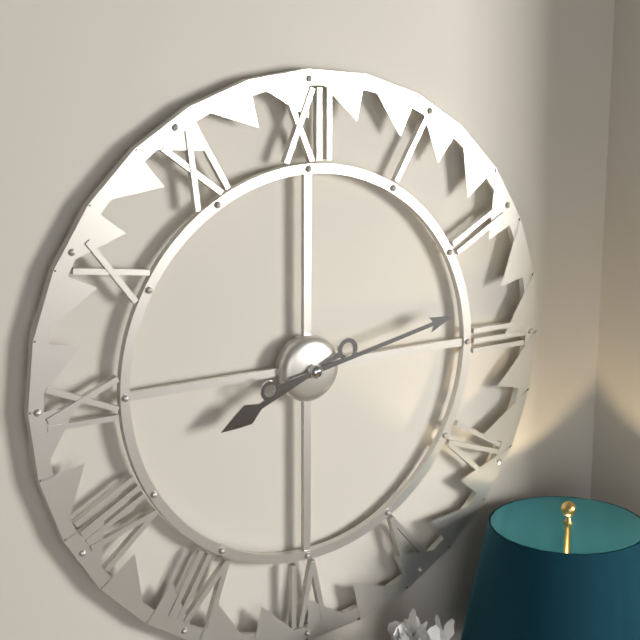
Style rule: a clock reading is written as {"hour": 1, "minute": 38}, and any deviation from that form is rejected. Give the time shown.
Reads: {"hour": 8, "minute": 13}
